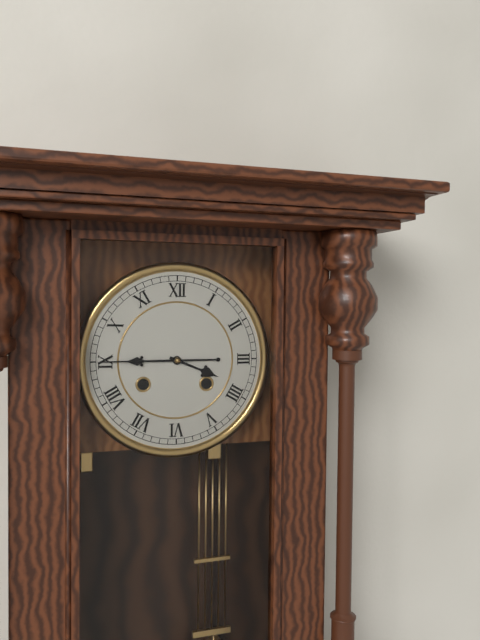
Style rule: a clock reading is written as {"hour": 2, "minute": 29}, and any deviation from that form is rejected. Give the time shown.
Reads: {"hour": 3, "minute": 45}
